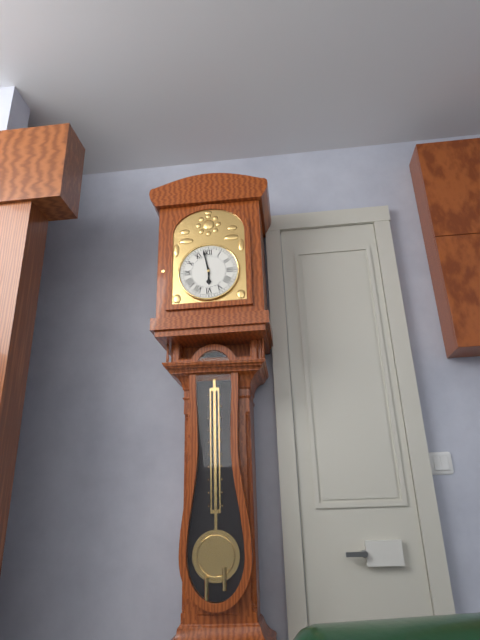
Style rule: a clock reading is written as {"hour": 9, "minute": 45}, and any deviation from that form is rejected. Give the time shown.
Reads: {"hour": 5, "minute": 58}
